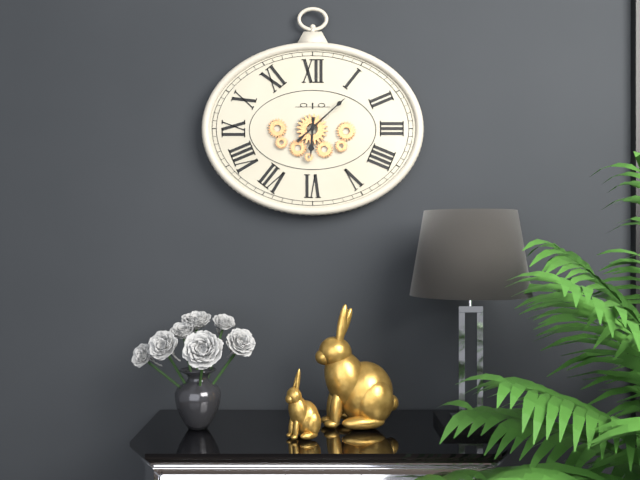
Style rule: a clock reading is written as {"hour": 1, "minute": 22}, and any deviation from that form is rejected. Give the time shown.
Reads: {"hour": 6, "minute": 8}
